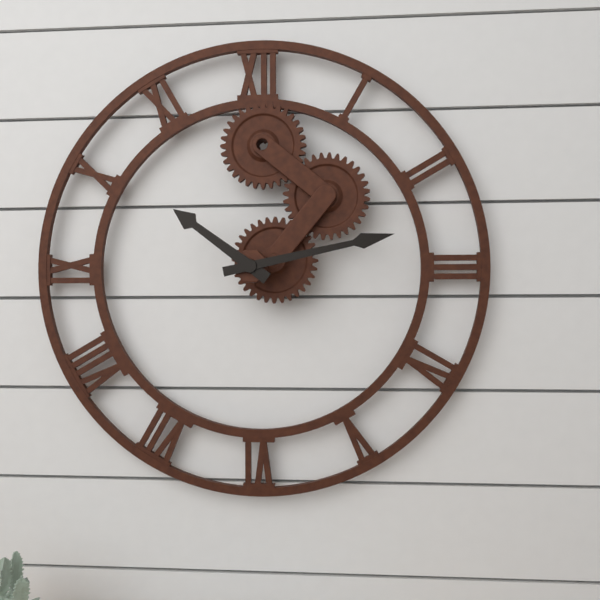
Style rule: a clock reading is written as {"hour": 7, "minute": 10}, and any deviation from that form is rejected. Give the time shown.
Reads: {"hour": 10, "minute": 13}
